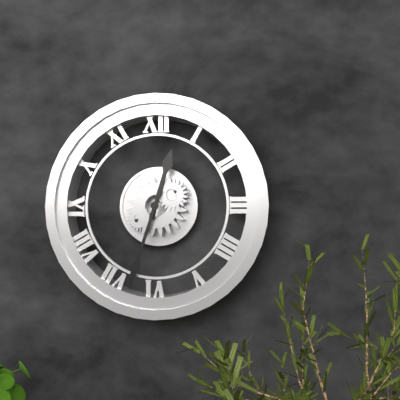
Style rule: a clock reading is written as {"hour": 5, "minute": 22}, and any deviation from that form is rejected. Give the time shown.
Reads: {"hour": 12, "minute": 33}
